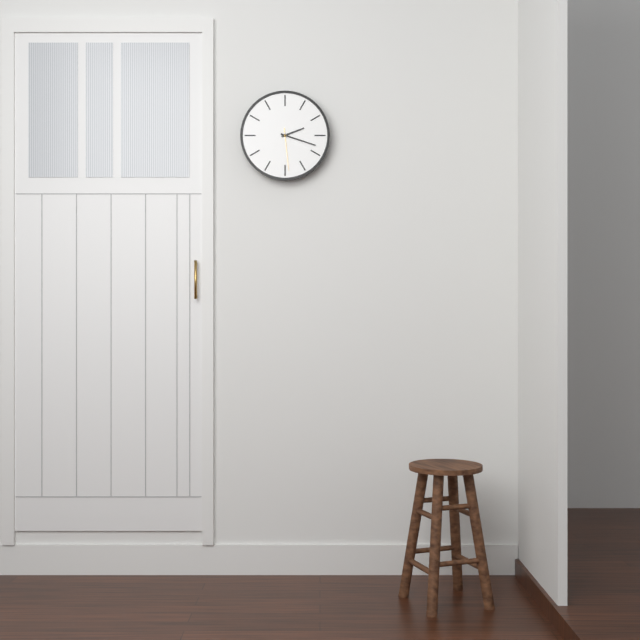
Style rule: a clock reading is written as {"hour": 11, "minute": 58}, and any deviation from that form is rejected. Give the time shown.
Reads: {"hour": 2, "minute": 18}
